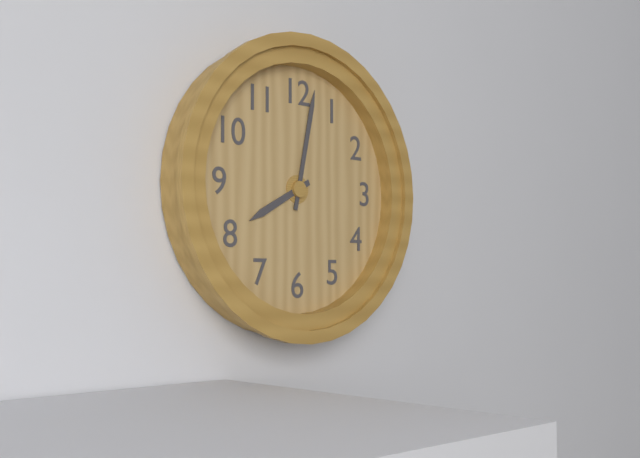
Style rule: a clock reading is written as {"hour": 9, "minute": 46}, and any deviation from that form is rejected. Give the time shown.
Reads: {"hour": 8, "minute": 2}
